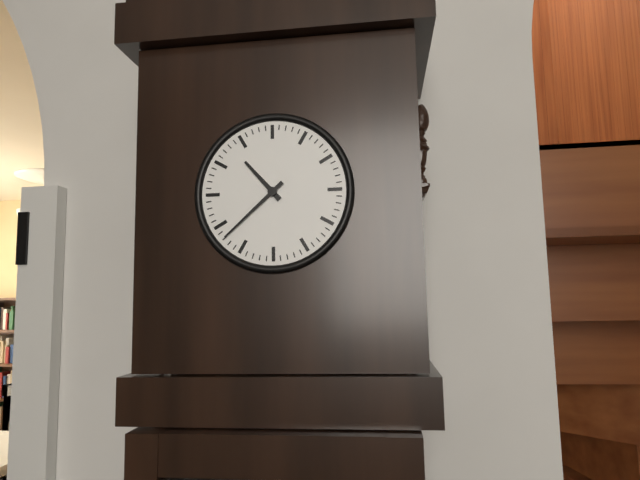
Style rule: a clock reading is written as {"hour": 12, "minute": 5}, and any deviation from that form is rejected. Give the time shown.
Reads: {"hour": 10, "minute": 38}
